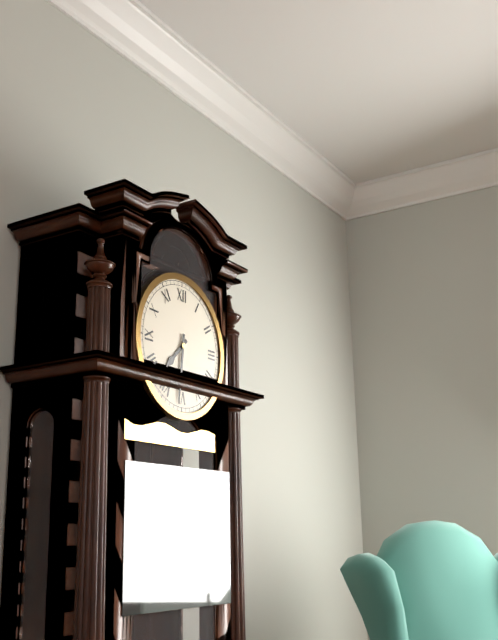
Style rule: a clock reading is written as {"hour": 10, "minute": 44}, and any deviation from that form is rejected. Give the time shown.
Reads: {"hour": 7, "minute": 31}
